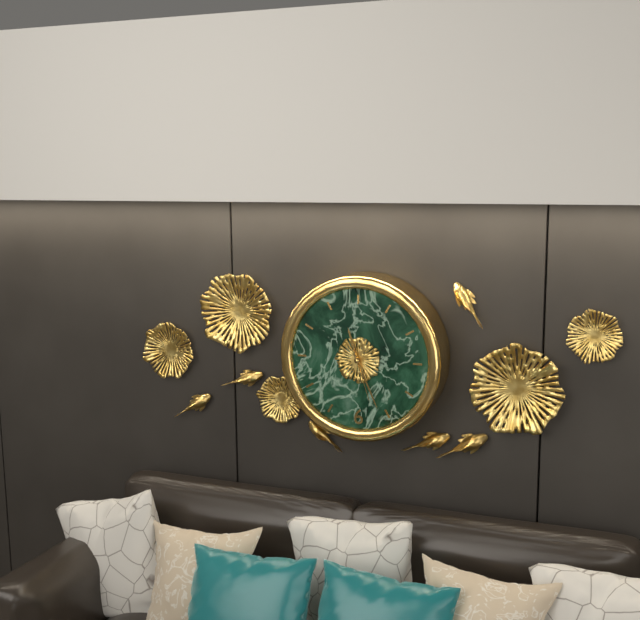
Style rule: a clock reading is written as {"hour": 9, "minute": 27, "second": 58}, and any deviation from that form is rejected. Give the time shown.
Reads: {"hour": 11, "minute": 26, "second": 27}
